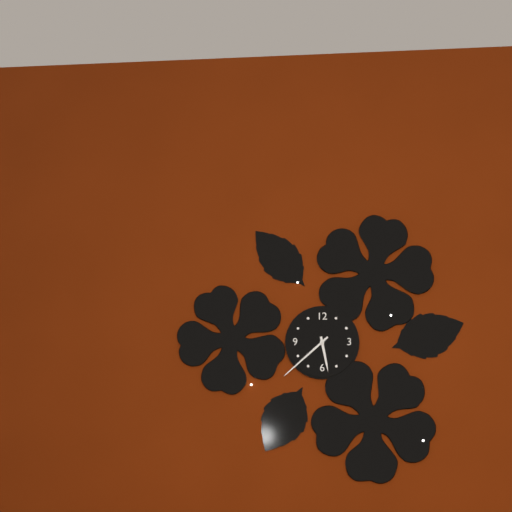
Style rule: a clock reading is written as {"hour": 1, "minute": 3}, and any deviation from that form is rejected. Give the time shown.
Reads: {"hour": 5, "minute": 38}
